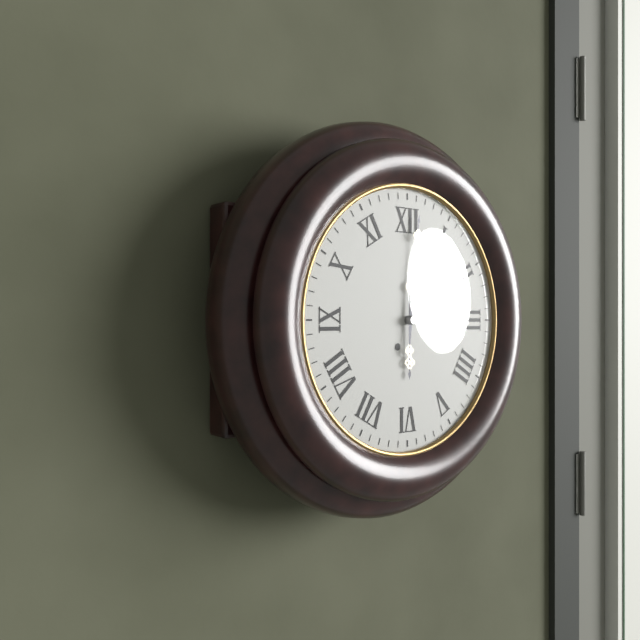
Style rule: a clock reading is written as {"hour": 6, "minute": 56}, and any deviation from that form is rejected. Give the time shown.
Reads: {"hour": 6, "minute": 1}
